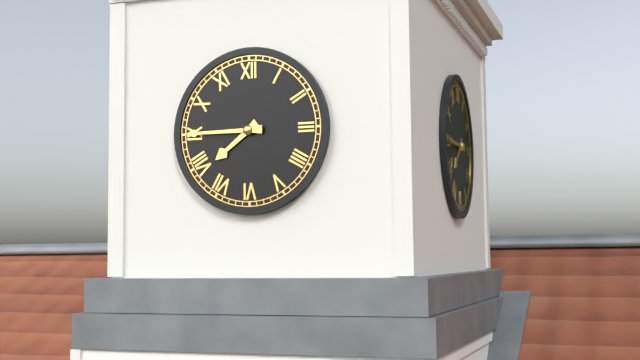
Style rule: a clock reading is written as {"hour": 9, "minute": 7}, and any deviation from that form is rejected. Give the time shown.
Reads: {"hour": 7, "minute": 45}
